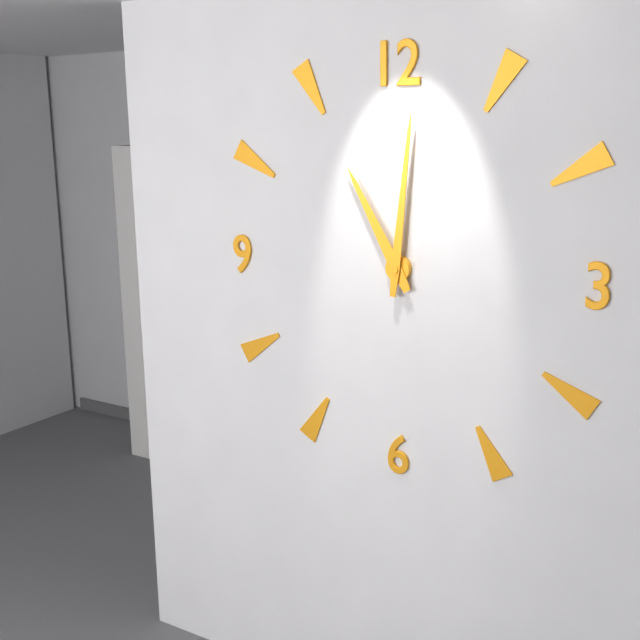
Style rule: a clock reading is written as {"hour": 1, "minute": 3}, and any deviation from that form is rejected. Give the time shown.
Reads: {"hour": 11, "minute": 1}
